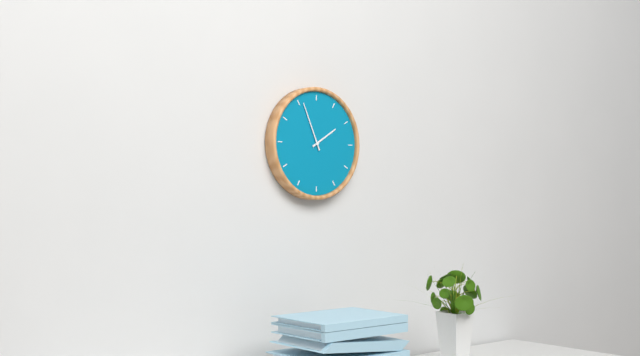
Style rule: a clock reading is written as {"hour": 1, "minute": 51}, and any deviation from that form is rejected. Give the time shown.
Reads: {"hour": 1, "minute": 56}
